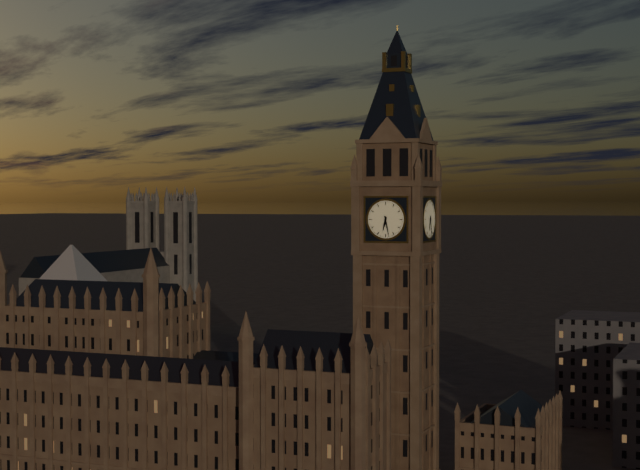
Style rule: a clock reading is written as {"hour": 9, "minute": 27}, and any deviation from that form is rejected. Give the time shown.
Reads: {"hour": 6, "minute": 28}
